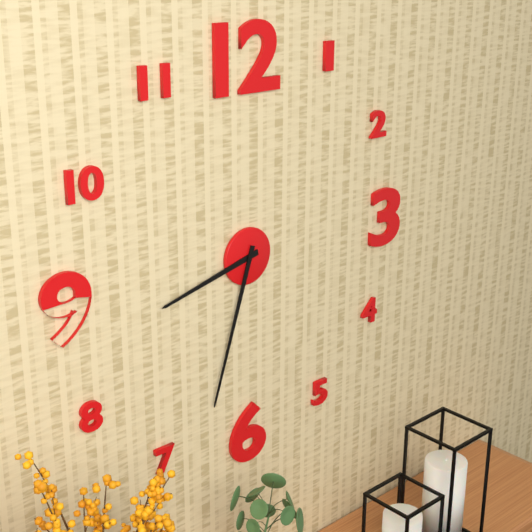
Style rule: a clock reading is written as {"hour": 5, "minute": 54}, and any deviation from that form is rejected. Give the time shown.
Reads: {"hour": 8, "minute": 33}
